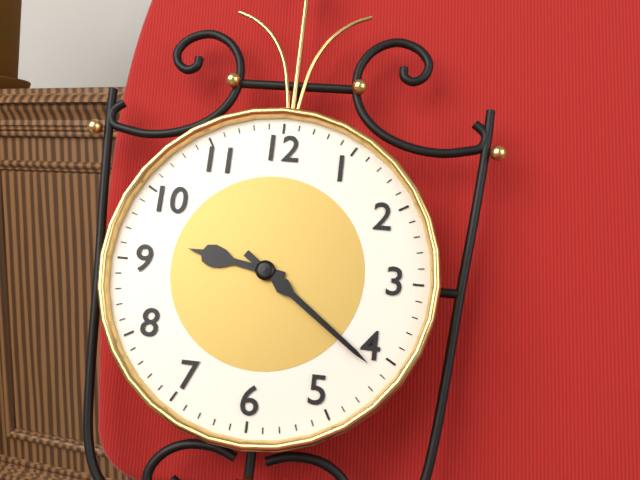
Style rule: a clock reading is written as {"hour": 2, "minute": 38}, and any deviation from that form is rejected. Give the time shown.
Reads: {"hour": 9, "minute": 21}
